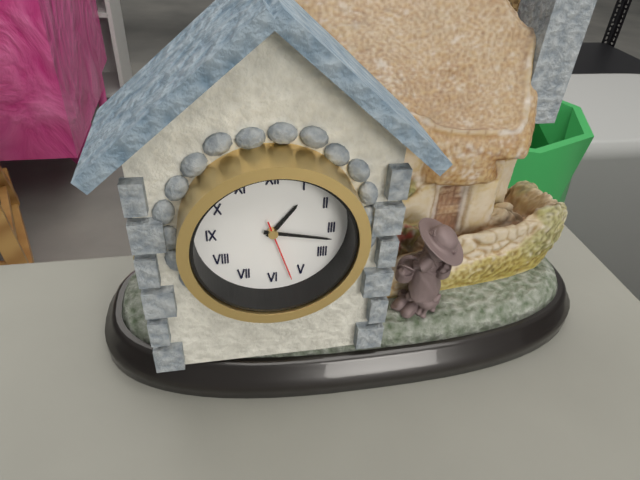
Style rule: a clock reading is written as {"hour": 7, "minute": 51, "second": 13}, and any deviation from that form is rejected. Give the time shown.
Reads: {"hour": 1, "minute": 17, "second": 27}
